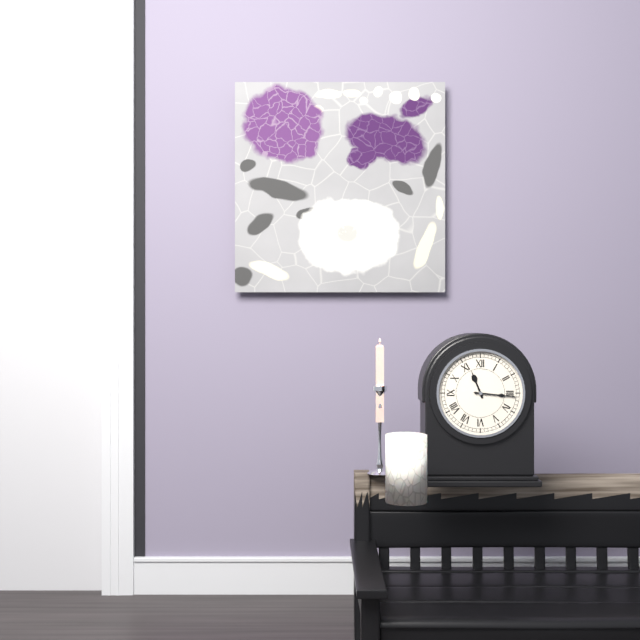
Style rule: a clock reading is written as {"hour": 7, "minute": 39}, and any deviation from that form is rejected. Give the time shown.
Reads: {"hour": 11, "minute": 16}
